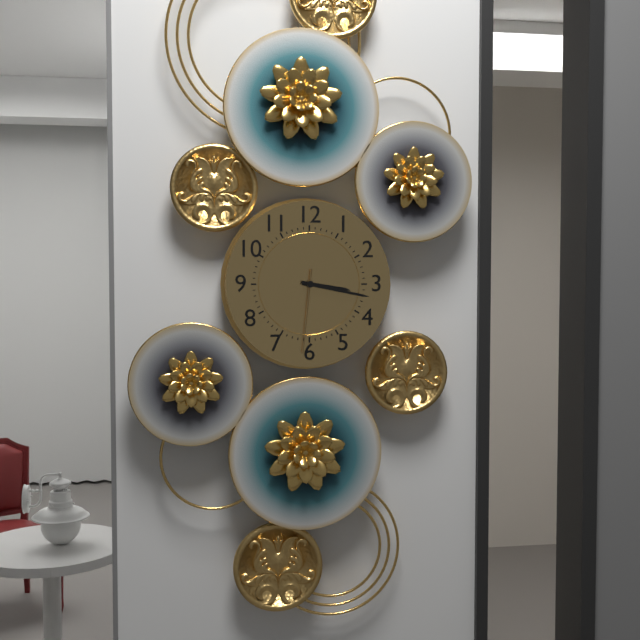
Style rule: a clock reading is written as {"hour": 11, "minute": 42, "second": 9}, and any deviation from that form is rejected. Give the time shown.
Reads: {"hour": 3, "minute": 17, "second": 31}
